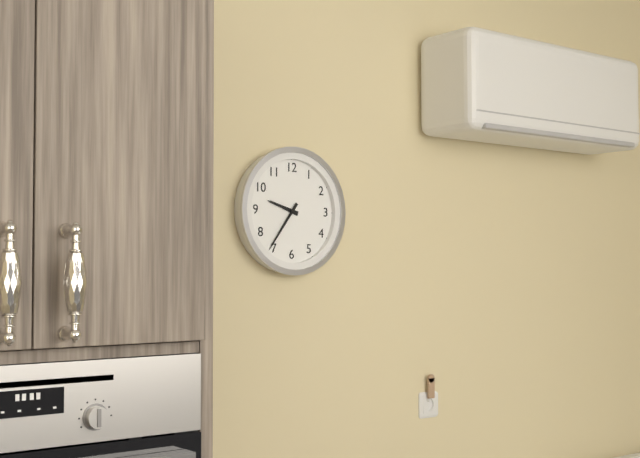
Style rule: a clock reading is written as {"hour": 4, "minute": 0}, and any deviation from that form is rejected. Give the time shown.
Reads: {"hour": 9, "minute": 36}
